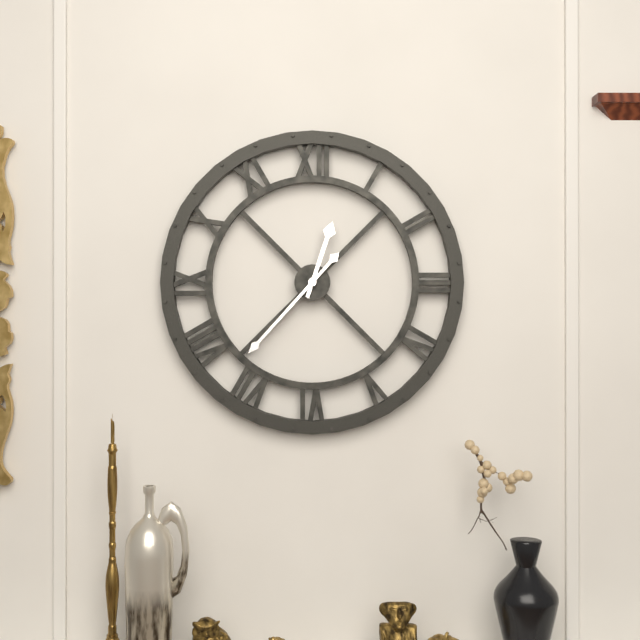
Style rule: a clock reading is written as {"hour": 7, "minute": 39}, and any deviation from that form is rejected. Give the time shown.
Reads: {"hour": 12, "minute": 37}
